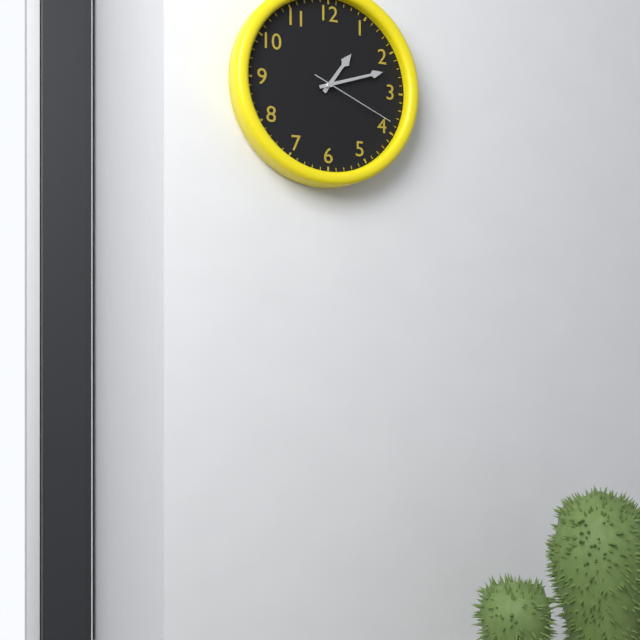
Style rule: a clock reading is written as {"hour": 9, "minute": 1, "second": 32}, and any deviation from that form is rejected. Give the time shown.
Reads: {"hour": 1, "minute": 12, "second": 19}
